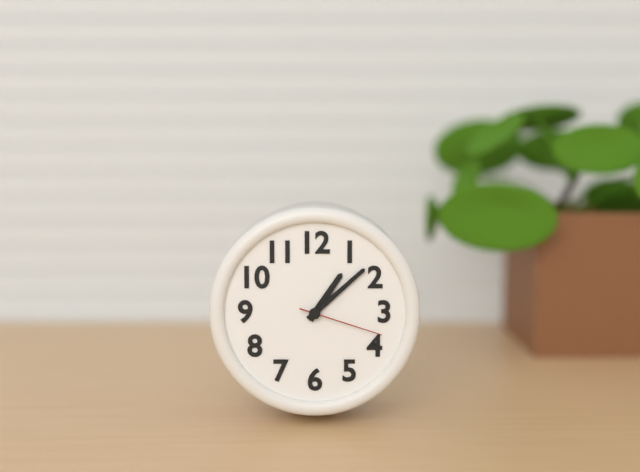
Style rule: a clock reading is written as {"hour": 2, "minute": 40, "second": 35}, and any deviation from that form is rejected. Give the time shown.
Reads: {"hour": 1, "minute": 8, "second": 18}
